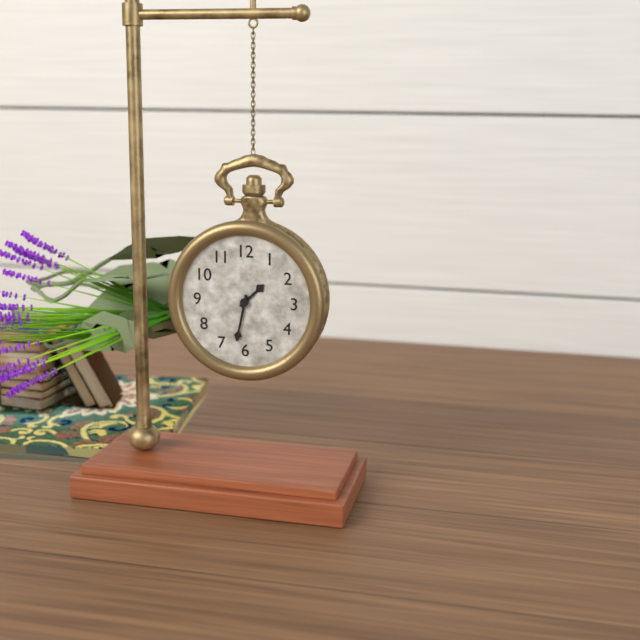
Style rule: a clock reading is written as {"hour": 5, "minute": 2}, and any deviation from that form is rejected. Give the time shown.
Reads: {"hour": 1, "minute": 32}
